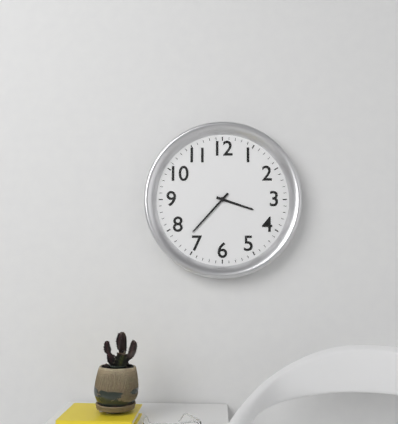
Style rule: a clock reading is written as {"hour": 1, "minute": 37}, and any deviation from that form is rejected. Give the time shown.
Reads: {"hour": 3, "minute": 37}
